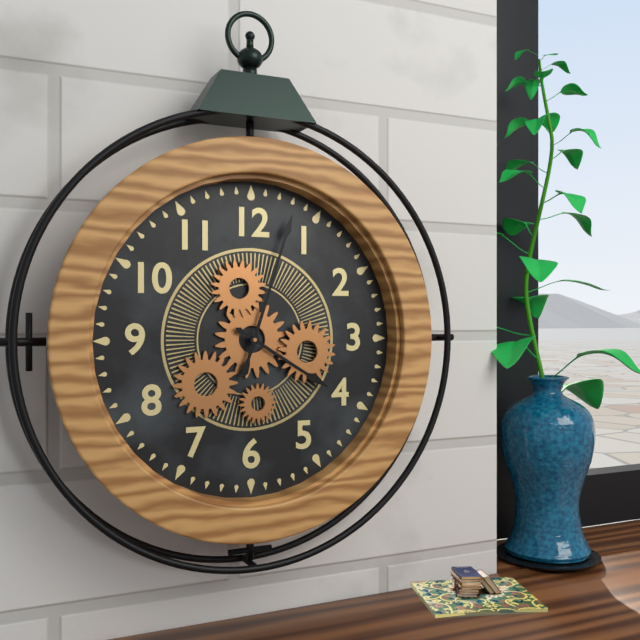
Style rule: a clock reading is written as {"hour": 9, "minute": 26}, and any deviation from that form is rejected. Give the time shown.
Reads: {"hour": 4, "minute": 3}
